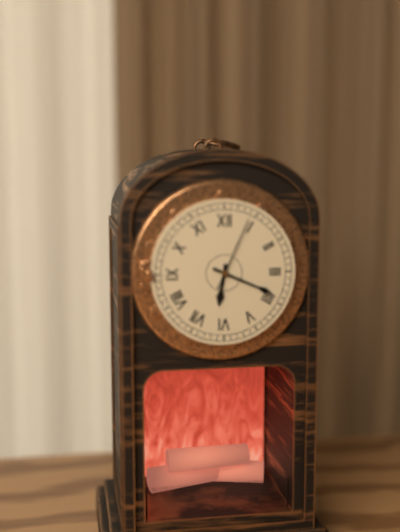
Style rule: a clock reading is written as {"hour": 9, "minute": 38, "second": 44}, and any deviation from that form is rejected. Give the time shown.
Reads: {"hour": 6, "minute": 19, "second": 4}
